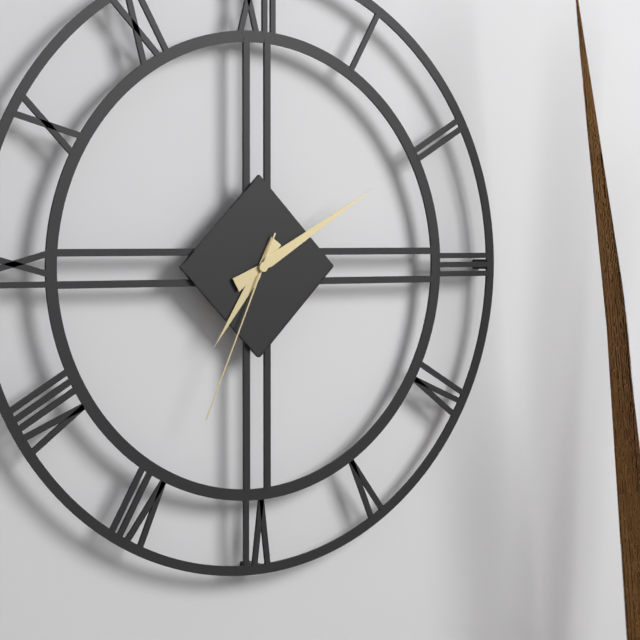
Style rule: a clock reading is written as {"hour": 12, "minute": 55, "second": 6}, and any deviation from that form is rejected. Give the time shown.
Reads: {"hour": 7, "minute": 10, "second": 34}
